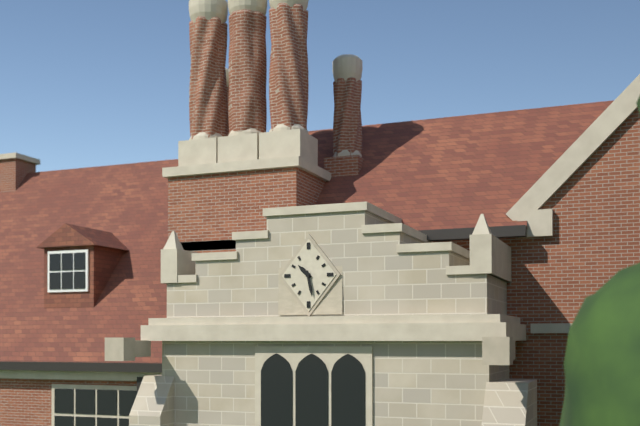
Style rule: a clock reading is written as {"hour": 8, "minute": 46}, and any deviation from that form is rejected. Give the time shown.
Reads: {"hour": 10, "minute": 28}
